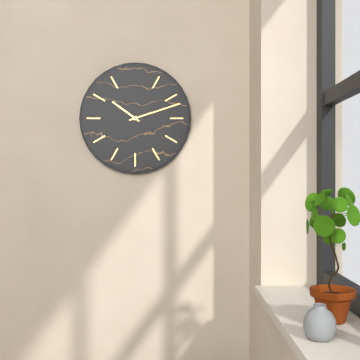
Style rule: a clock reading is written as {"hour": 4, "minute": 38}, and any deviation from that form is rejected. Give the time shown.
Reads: {"hour": 10, "minute": 12}
